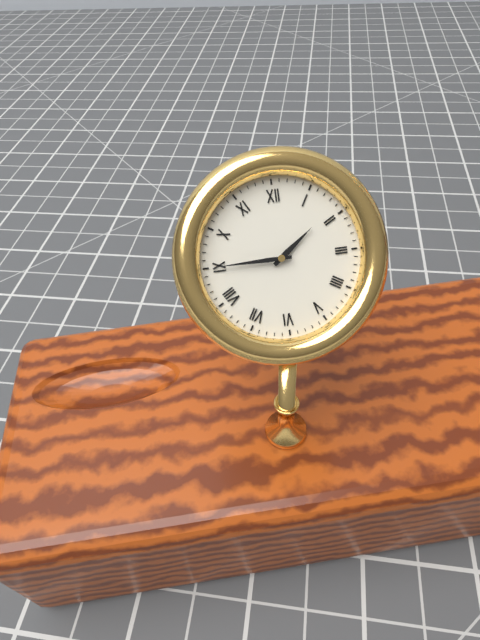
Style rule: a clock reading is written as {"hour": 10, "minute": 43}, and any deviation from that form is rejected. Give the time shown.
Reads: {"hour": 1, "minute": 45}
